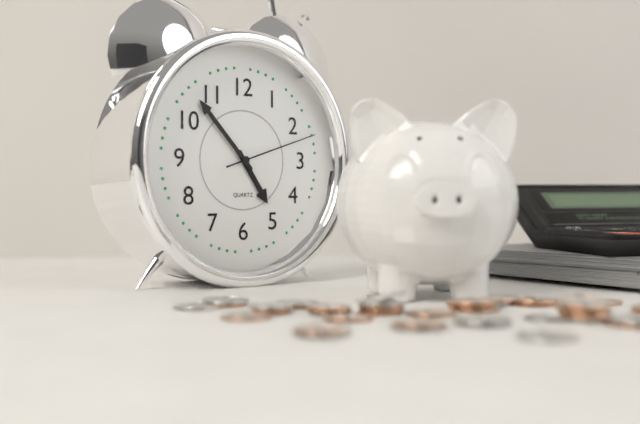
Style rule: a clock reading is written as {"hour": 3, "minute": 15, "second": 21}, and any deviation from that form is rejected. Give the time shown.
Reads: {"hour": 4, "minute": 53, "second": 12}
